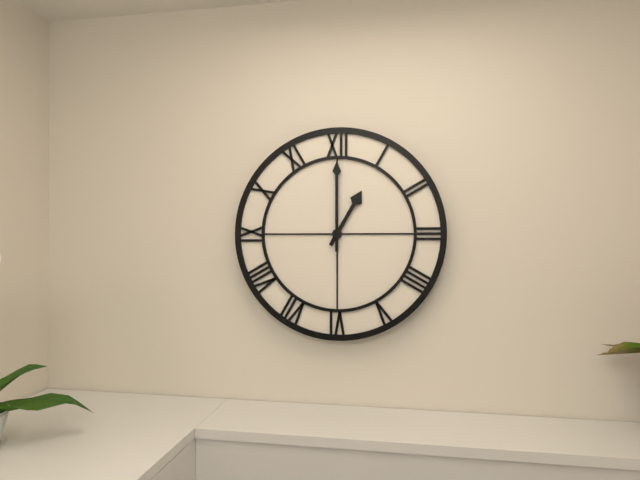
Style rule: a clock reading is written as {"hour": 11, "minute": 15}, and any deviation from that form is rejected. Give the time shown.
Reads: {"hour": 1, "minute": 0}
